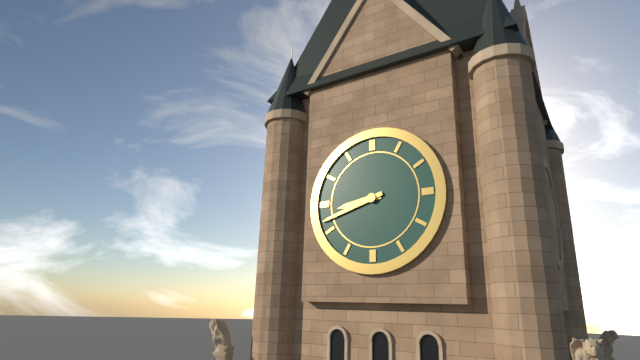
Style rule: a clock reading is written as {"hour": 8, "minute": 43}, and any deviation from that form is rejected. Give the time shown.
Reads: {"hour": 8, "minute": 42}
